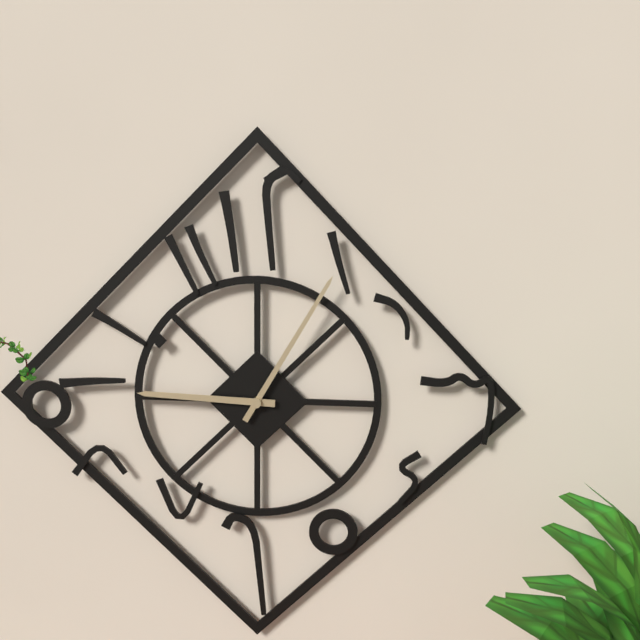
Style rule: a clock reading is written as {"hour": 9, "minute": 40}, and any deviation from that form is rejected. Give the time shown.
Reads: {"hour": 9, "minute": 5}
